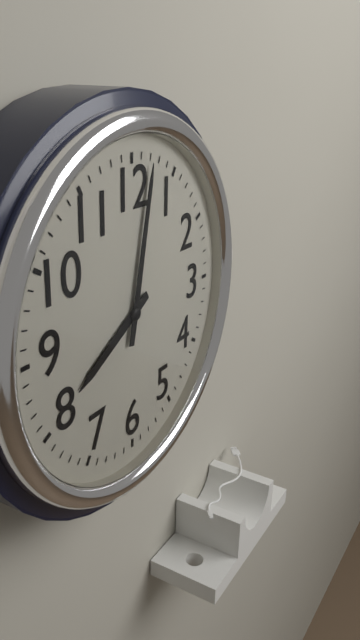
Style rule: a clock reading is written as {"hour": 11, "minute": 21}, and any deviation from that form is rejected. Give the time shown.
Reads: {"hour": 8, "minute": 2}
